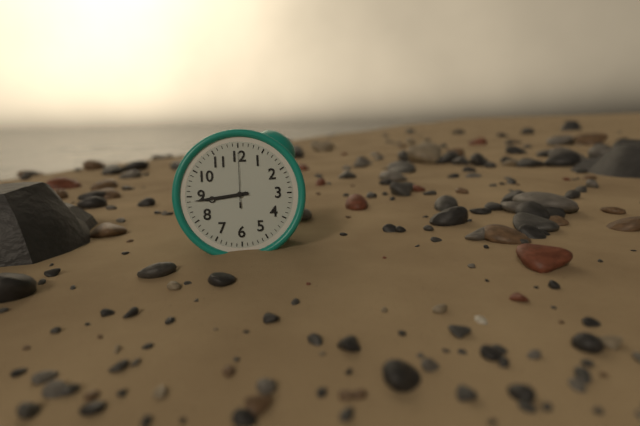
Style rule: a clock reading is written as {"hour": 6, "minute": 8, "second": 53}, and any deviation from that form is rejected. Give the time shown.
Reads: {"hour": 8, "minute": 44, "second": 0}
